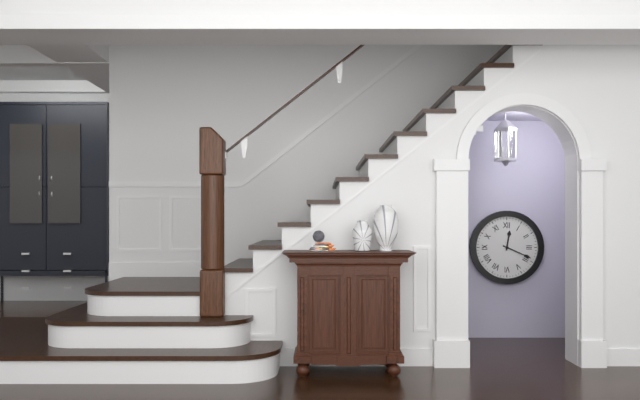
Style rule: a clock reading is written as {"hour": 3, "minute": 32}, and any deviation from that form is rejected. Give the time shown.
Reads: {"hour": 12, "minute": 19}
